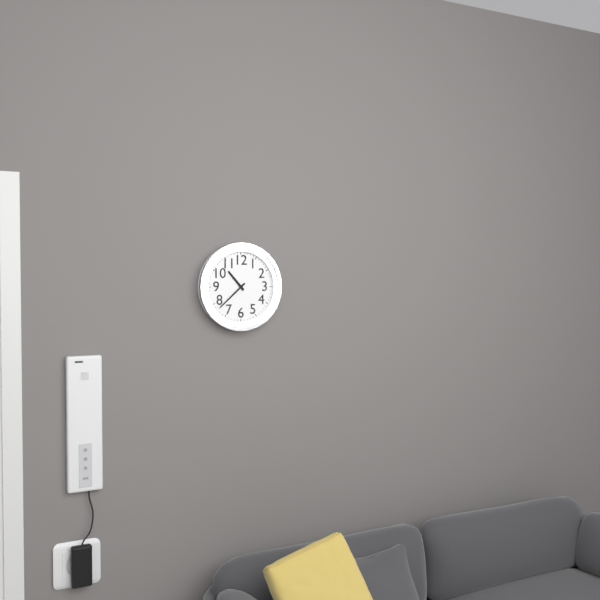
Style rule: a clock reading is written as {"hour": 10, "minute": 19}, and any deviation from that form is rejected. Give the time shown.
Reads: {"hour": 10, "minute": 38}
